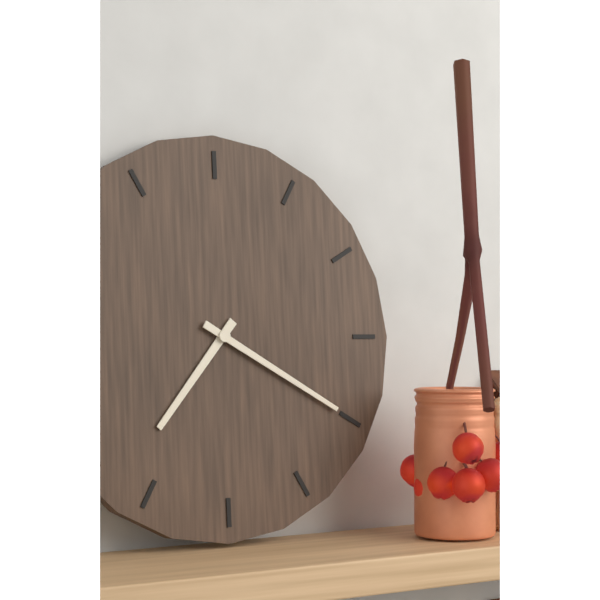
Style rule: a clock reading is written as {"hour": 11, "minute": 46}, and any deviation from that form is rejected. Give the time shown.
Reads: {"hour": 7, "minute": 20}
